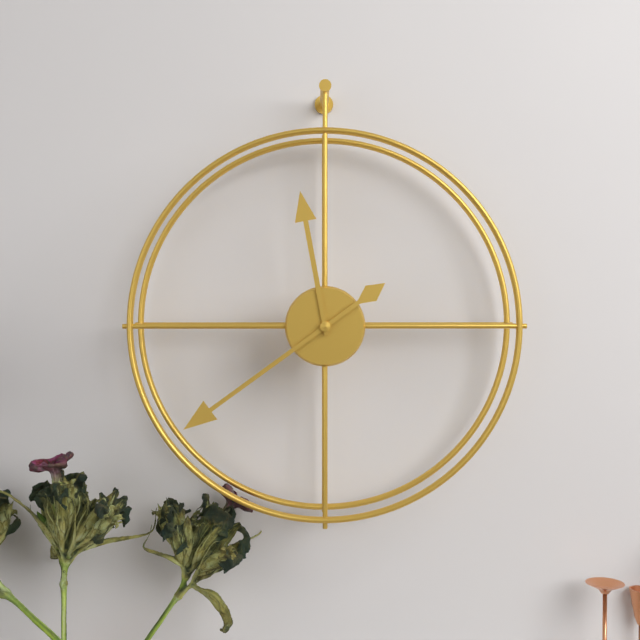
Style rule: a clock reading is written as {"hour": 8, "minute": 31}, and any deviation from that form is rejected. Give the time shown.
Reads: {"hour": 11, "minute": 39}
